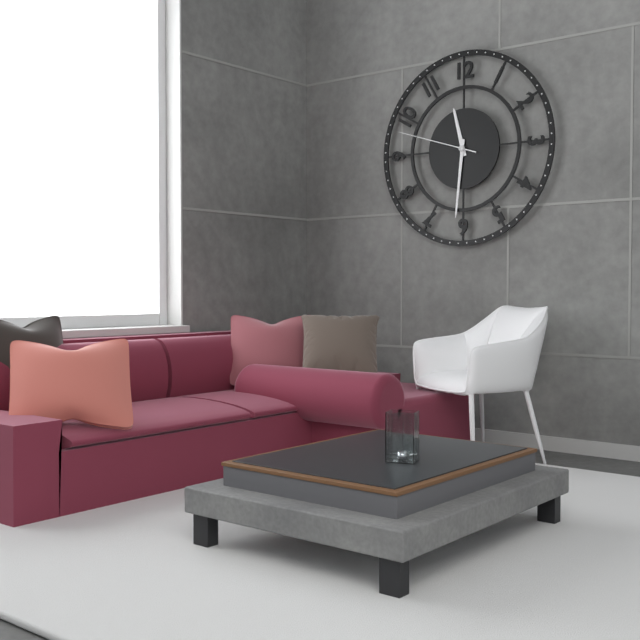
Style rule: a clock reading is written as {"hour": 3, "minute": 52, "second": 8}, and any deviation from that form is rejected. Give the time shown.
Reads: {"hour": 11, "minute": 31, "second": 48}
